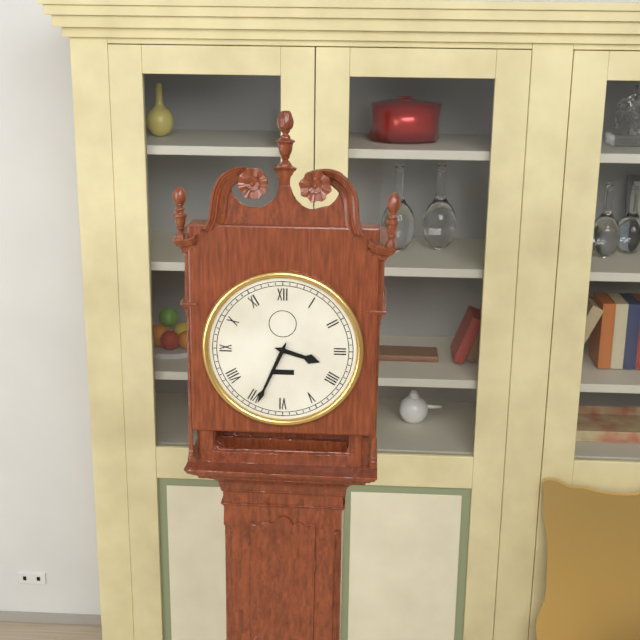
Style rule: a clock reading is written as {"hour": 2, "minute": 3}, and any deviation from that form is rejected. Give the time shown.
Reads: {"hour": 3, "minute": 34}
